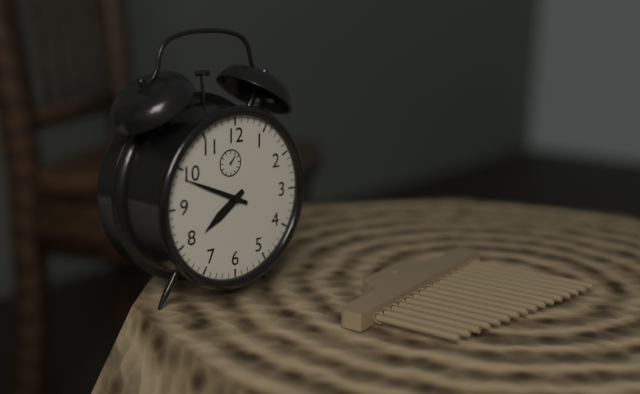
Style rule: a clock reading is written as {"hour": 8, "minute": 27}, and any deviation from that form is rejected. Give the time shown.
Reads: {"hour": 7, "minute": 49}
